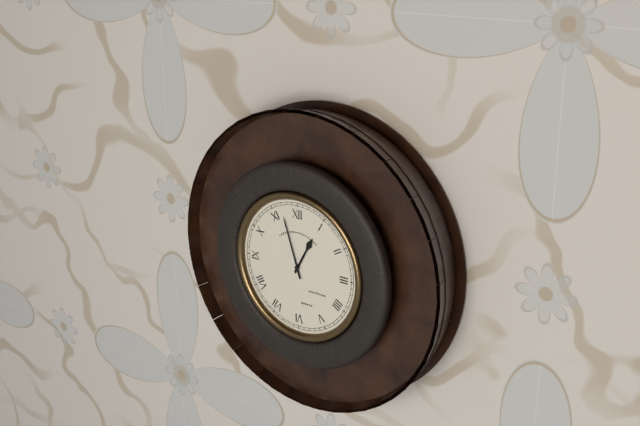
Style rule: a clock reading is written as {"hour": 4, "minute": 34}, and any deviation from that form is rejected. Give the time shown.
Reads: {"hour": 12, "minute": 57}
